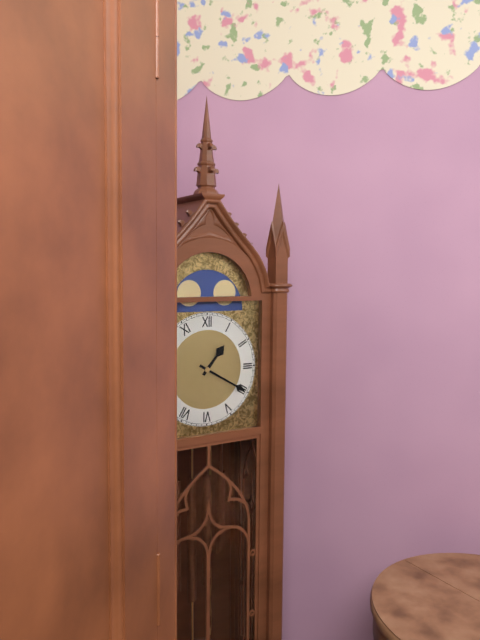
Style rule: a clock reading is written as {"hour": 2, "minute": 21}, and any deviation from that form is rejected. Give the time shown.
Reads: {"hour": 1, "minute": 20}
